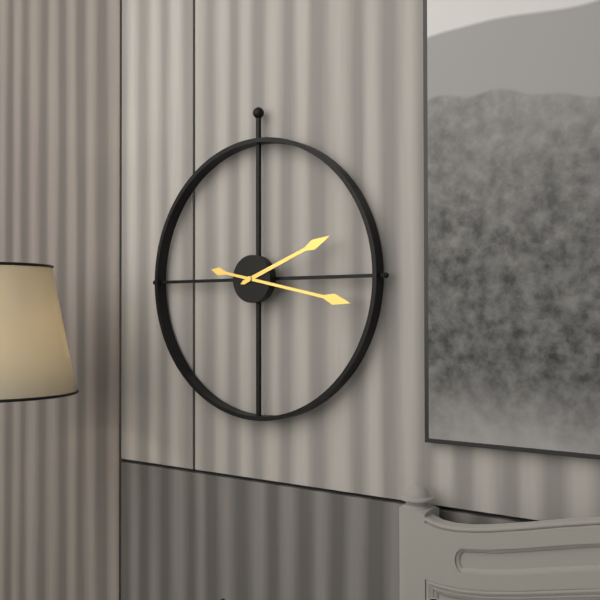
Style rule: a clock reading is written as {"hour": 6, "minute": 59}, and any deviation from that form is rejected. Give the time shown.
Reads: {"hour": 2, "minute": 17}
